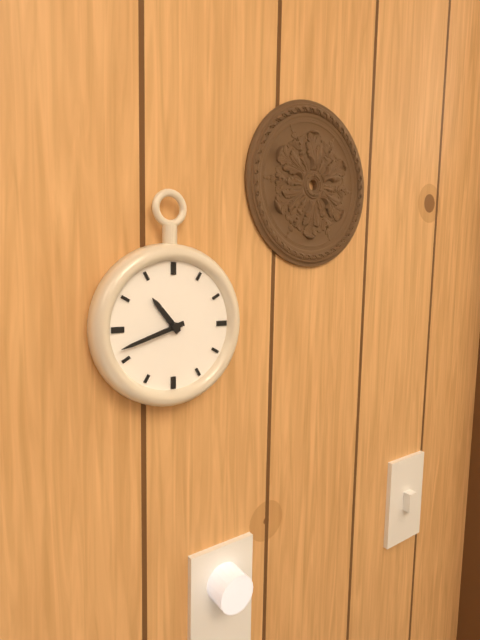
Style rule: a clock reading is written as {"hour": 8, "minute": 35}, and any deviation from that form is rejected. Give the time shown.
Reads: {"hour": 10, "minute": 42}
